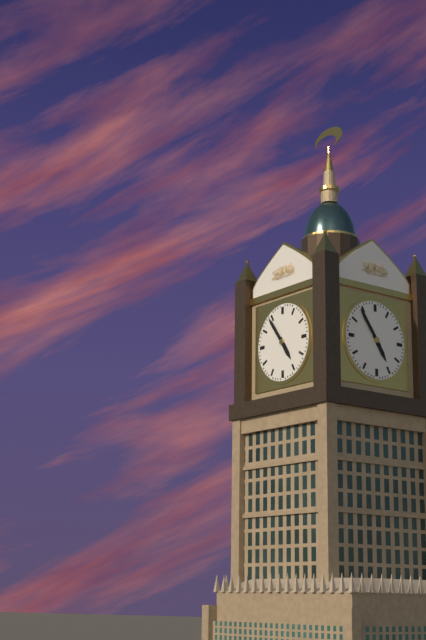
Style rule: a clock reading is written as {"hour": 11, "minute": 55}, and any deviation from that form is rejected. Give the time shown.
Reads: {"hour": 4, "minute": 54}
